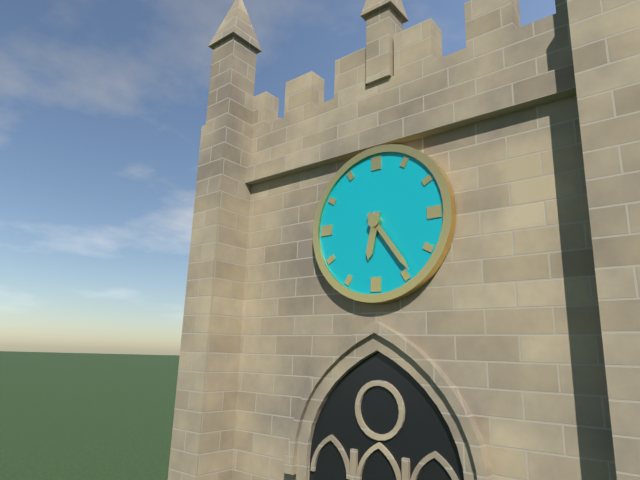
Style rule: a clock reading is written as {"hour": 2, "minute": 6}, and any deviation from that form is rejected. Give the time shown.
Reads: {"hour": 6, "minute": 24}
